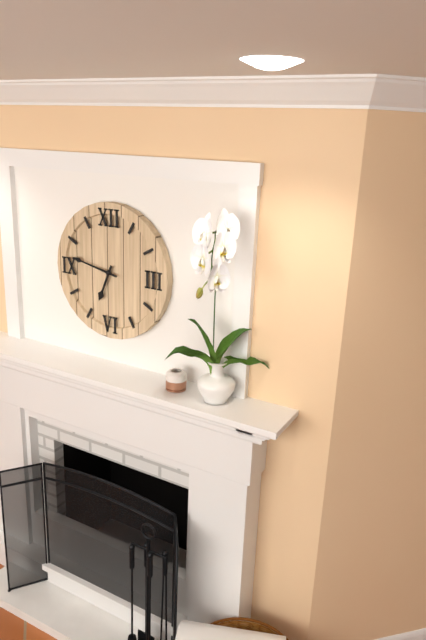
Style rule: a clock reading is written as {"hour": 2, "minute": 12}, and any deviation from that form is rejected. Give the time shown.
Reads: {"hour": 6, "minute": 47}
